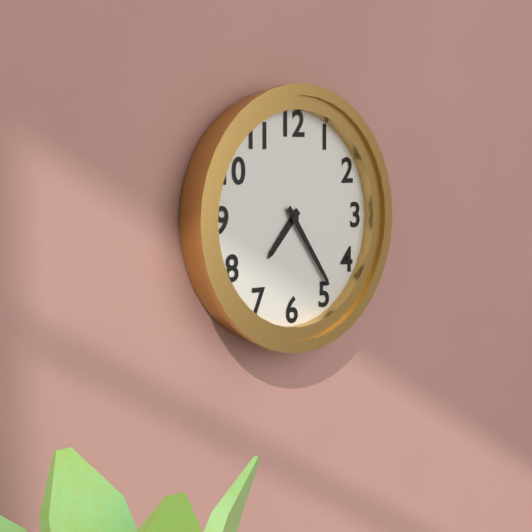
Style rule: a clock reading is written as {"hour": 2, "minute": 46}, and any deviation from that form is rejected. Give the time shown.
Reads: {"hour": 7, "minute": 24}
